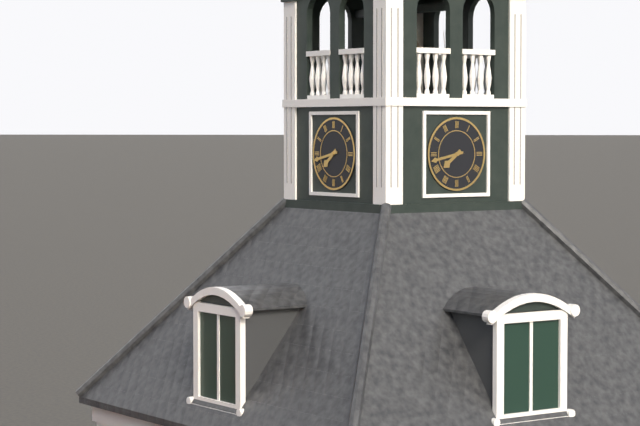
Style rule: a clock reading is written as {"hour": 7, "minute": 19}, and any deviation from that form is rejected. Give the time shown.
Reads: {"hour": 7, "minute": 43}
